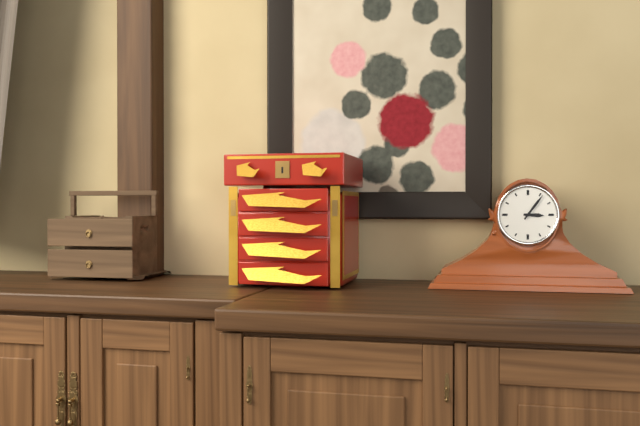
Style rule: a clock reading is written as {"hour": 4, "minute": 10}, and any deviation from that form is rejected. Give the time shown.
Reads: {"hour": 3, "minute": 6}
